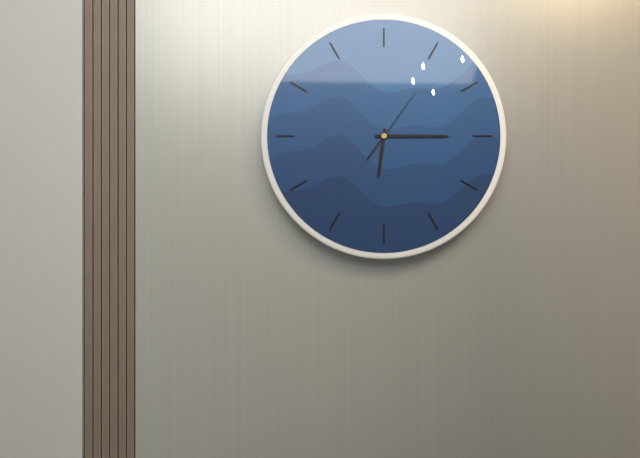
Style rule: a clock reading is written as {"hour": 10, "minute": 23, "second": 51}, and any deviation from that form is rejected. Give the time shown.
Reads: {"hour": 6, "minute": 15, "second": 6}
